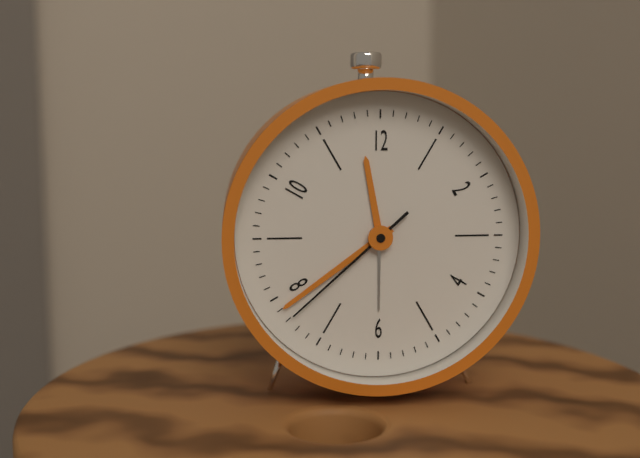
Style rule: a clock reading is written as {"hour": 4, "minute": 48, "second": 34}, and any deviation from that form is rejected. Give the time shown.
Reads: {"hour": 11, "minute": 39, "second": 38}
